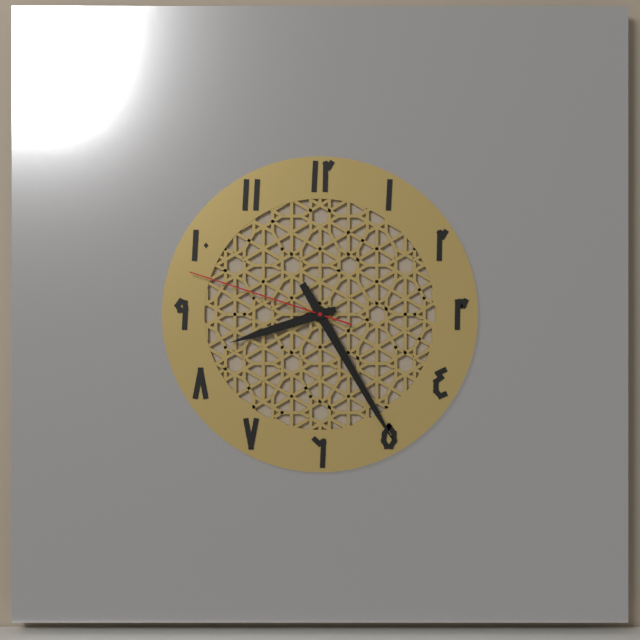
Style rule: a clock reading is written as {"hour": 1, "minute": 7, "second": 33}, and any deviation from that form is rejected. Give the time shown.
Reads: {"hour": 8, "minute": 25, "second": 48}
